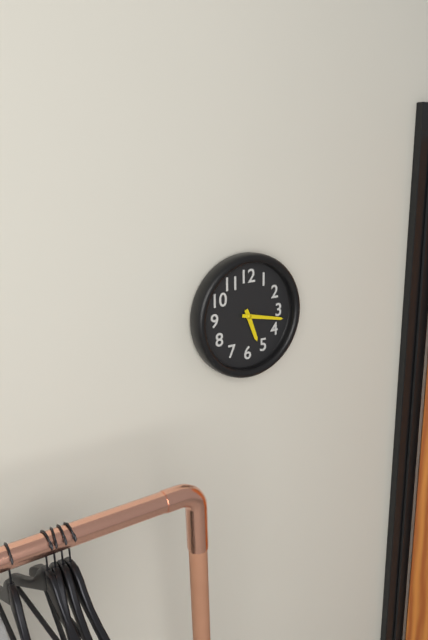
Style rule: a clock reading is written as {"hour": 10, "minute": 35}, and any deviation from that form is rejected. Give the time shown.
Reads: {"hour": 5, "minute": 17}
